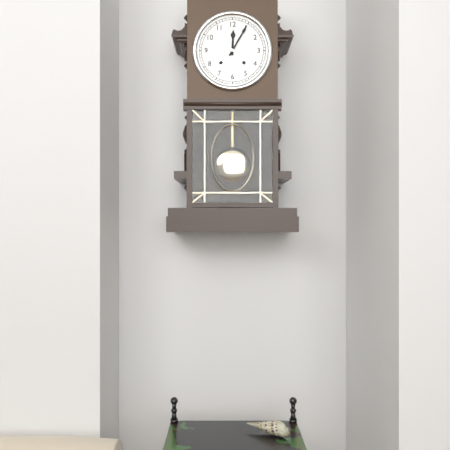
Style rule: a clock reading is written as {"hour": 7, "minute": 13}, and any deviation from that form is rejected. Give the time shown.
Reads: {"hour": 12, "minute": 5}
